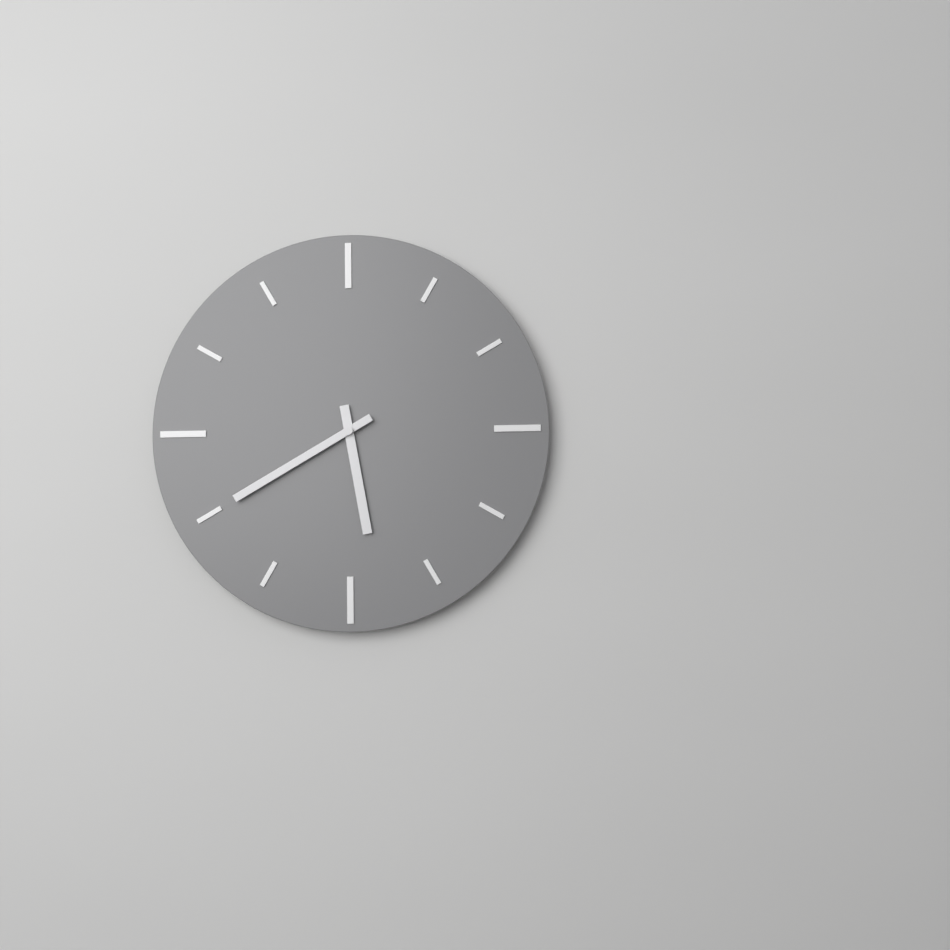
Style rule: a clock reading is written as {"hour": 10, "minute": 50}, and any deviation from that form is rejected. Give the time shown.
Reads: {"hour": 5, "minute": 40}
